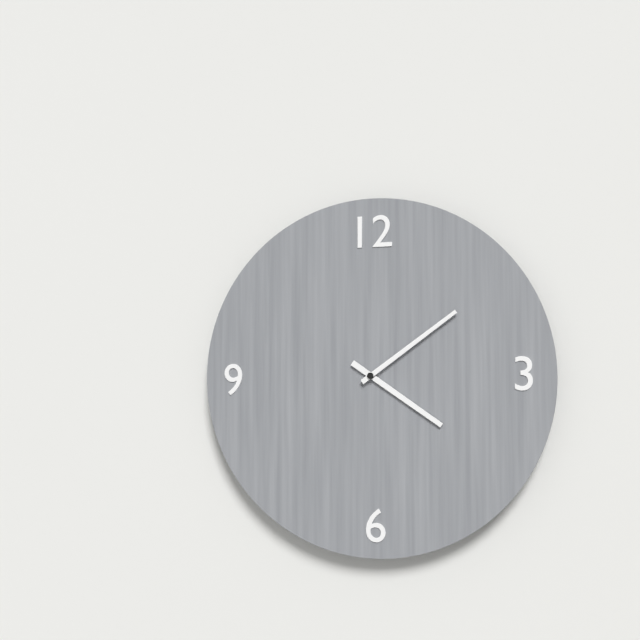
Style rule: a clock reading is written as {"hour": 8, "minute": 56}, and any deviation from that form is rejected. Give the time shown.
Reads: {"hour": 4, "minute": 9}
